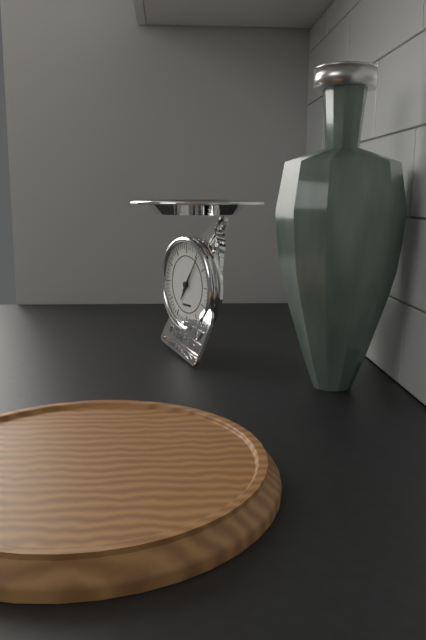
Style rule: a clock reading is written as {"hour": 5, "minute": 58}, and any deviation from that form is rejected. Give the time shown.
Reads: {"hour": 7, "minute": 6}
